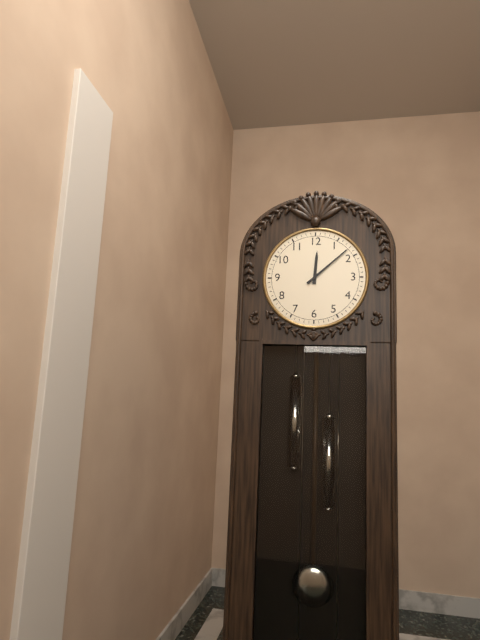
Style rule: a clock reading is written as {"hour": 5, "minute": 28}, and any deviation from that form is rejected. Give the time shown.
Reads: {"hour": 12, "minute": 8}
